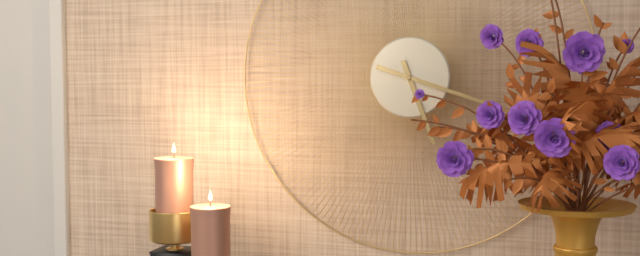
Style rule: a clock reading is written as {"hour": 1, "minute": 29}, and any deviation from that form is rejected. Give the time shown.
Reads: {"hour": 5, "minute": 18}
